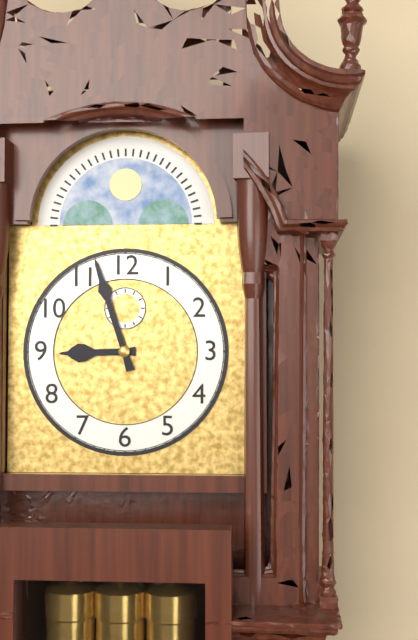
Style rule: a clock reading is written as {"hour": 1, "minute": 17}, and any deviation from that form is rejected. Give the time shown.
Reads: {"hour": 8, "minute": 57}
